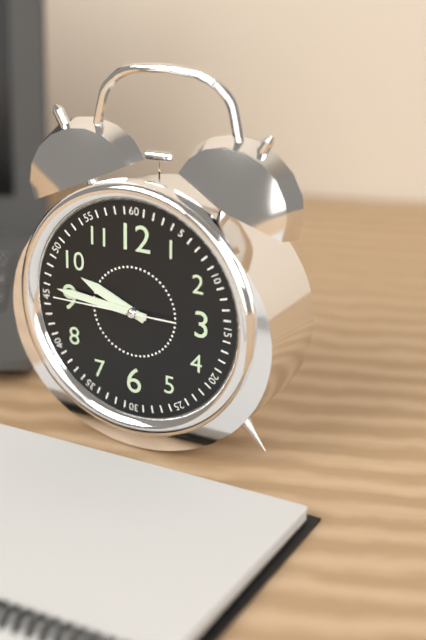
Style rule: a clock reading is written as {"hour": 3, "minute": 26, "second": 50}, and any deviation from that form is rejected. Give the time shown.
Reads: {"hour": 9, "minute": 46, "second": 45}
